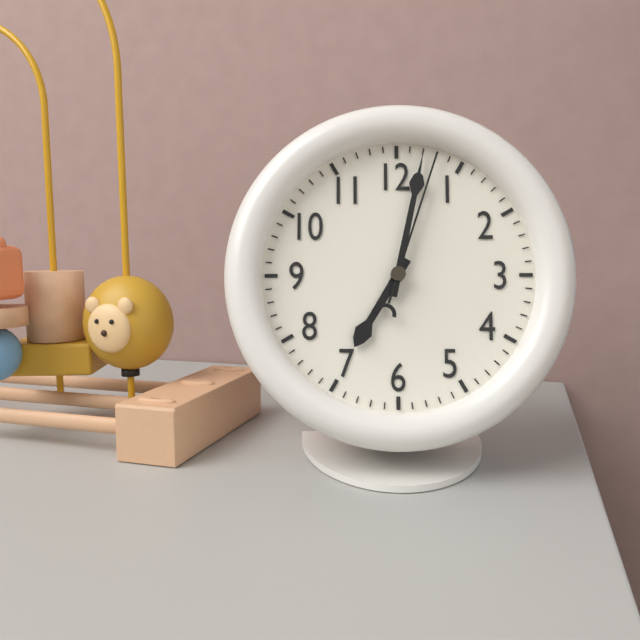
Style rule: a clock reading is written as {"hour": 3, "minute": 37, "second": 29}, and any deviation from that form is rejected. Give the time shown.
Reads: {"hour": 7, "minute": 2, "second": 3}
